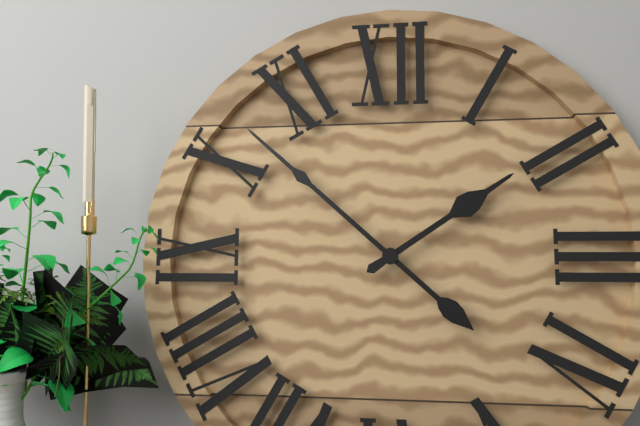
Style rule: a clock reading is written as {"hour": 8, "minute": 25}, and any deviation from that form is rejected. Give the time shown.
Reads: {"hour": 1, "minute": 52}
